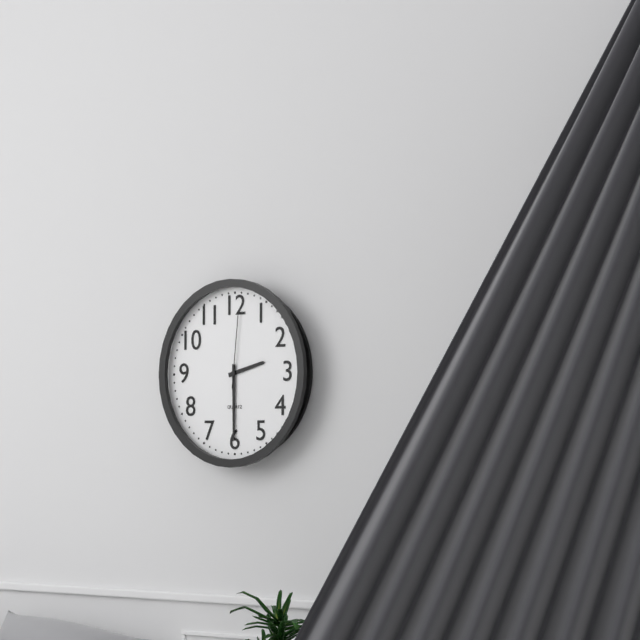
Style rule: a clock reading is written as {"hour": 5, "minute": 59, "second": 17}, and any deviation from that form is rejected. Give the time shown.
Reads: {"hour": 2, "minute": 30, "second": 1}
